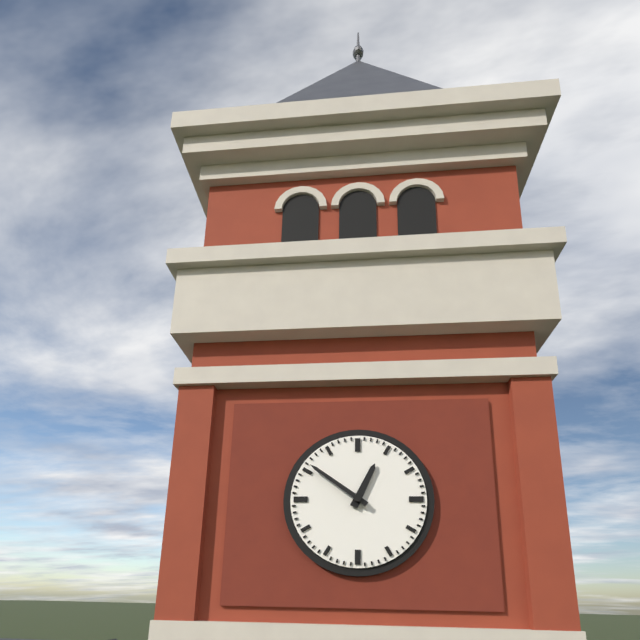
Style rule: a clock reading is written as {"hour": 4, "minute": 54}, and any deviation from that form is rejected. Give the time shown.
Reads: {"hour": 12, "minute": 51}
